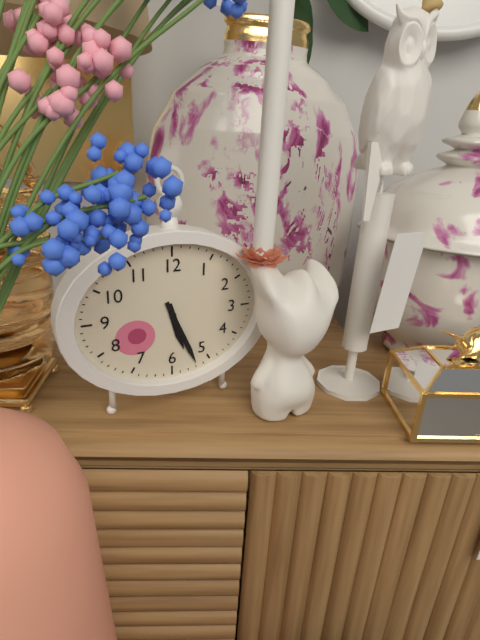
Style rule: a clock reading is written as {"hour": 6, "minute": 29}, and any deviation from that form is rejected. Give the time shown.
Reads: {"hour": 5, "minute": 26}
